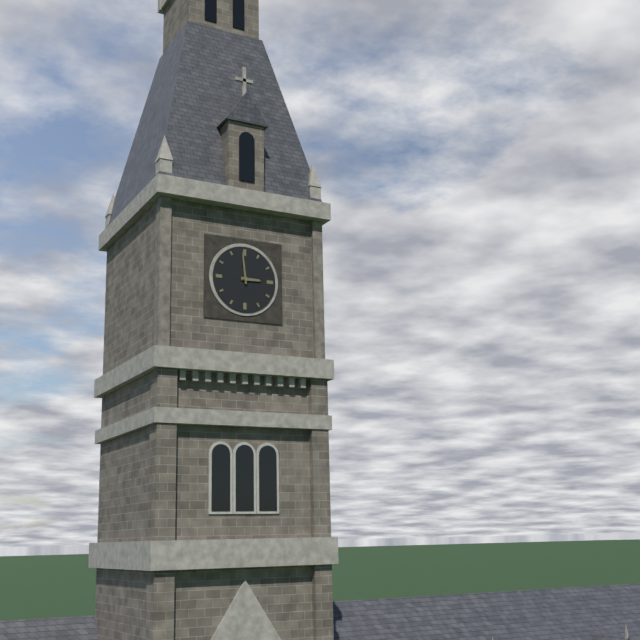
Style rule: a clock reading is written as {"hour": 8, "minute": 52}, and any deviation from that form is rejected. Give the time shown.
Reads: {"hour": 2, "minute": 59}
